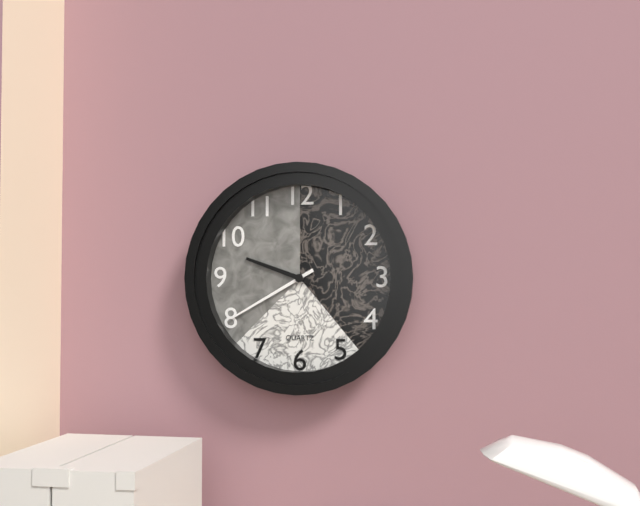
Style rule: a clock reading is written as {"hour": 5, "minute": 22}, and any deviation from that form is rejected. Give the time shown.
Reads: {"hour": 9, "minute": 40}
